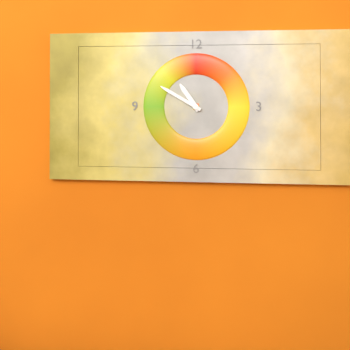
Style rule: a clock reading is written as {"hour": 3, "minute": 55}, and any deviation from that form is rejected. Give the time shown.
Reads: {"hour": 10, "minute": 50}
